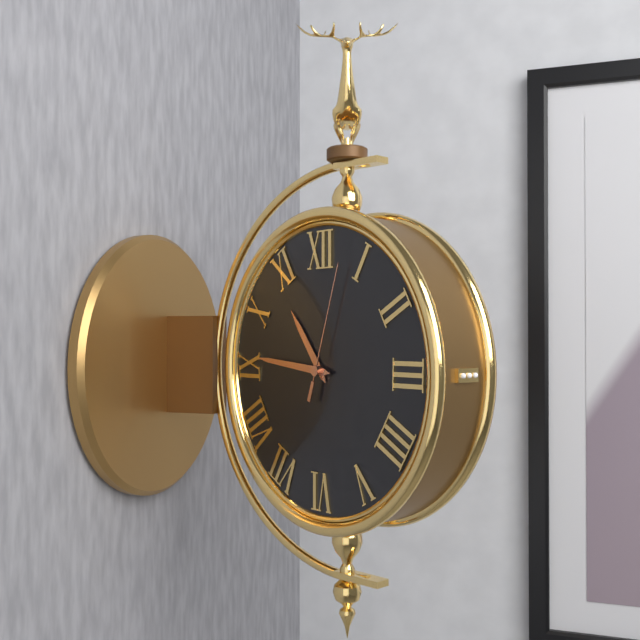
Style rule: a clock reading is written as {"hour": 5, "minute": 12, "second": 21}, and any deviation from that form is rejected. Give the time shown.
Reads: {"hour": 10, "minute": 46, "second": 3}
